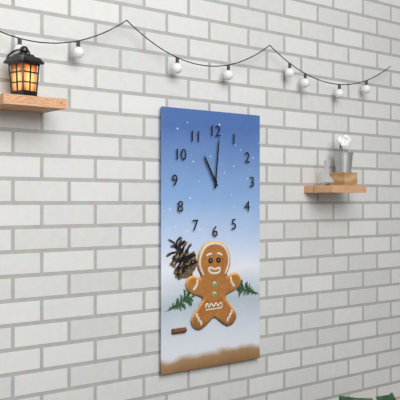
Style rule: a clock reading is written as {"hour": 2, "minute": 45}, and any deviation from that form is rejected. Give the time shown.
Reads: {"hour": 11, "minute": 1}
